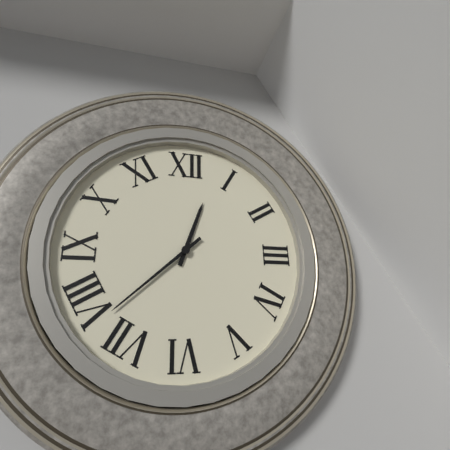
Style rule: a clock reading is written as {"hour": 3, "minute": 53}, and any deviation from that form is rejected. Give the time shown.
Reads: {"hour": 12, "minute": 38}
